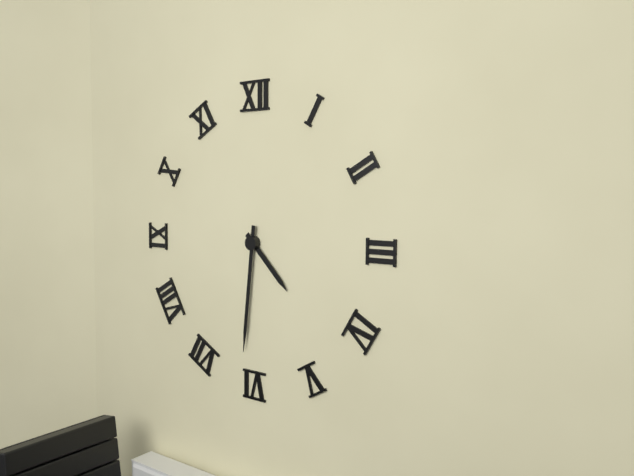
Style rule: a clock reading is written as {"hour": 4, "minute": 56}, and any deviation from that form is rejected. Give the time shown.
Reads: {"hour": 4, "minute": 31}
